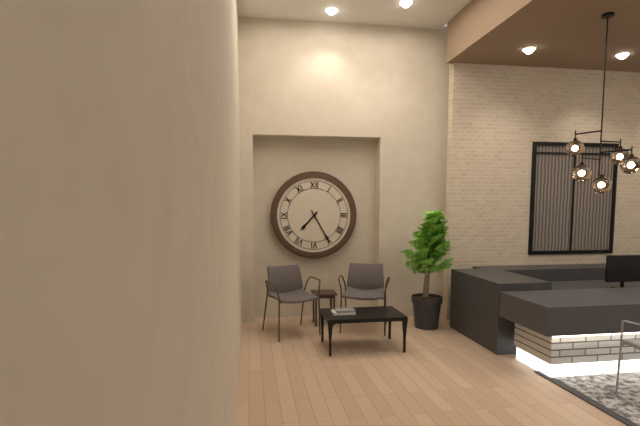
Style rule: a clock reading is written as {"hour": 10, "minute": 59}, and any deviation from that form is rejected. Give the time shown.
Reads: {"hour": 7, "minute": 25}
